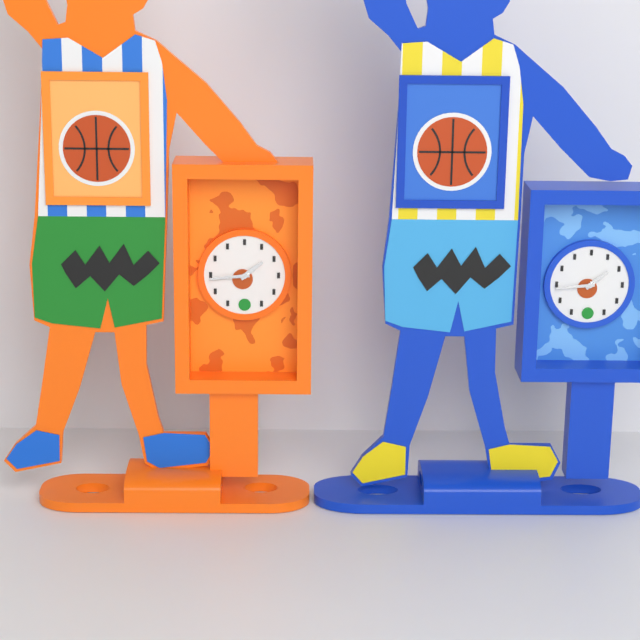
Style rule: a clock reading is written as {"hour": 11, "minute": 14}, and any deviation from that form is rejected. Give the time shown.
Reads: {"hour": 1, "minute": 44}
